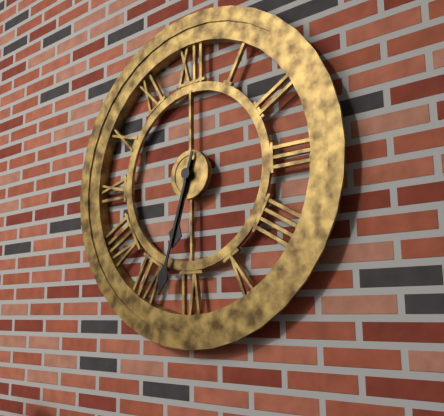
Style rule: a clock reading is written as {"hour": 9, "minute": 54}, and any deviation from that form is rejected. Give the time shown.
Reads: {"hour": 6, "minute": 33}
